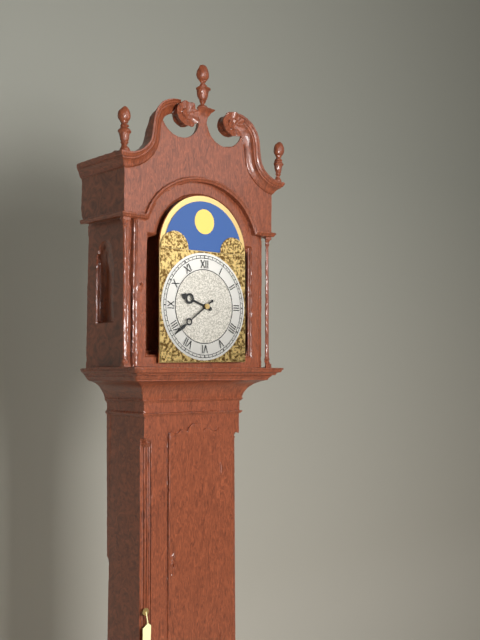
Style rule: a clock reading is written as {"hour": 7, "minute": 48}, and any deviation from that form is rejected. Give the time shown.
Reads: {"hour": 9, "minute": 39}
